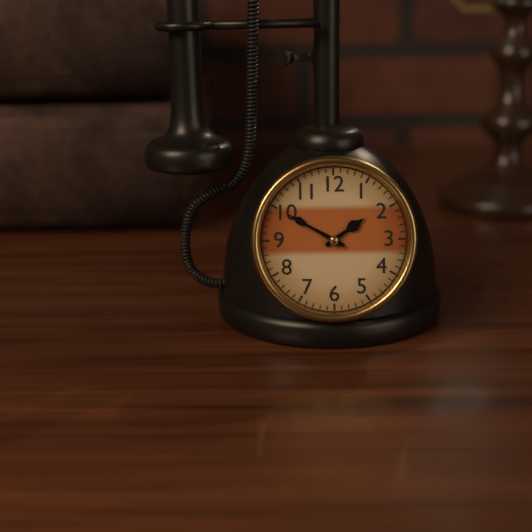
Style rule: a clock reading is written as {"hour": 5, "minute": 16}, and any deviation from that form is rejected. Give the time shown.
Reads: {"hour": 1, "minute": 50}
